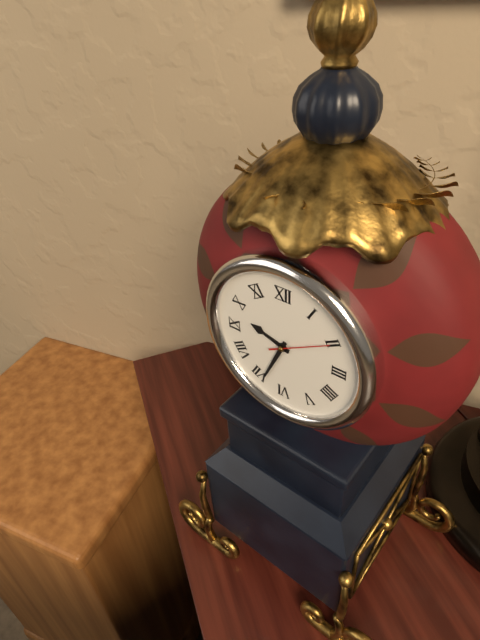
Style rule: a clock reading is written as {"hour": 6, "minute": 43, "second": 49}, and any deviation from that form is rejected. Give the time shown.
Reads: {"hour": 9, "minute": 34, "second": 10}
